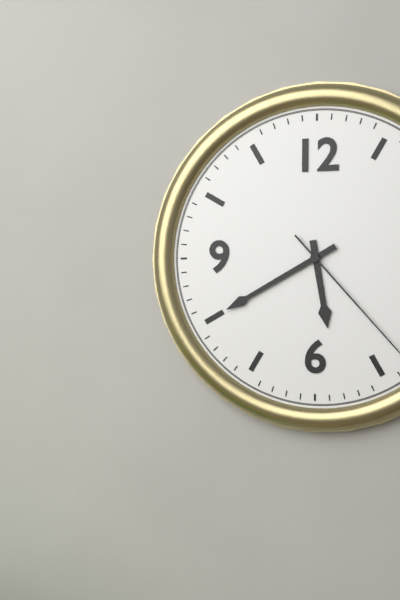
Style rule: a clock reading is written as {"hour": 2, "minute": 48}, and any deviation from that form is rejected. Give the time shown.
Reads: {"hour": 5, "minute": 40}
